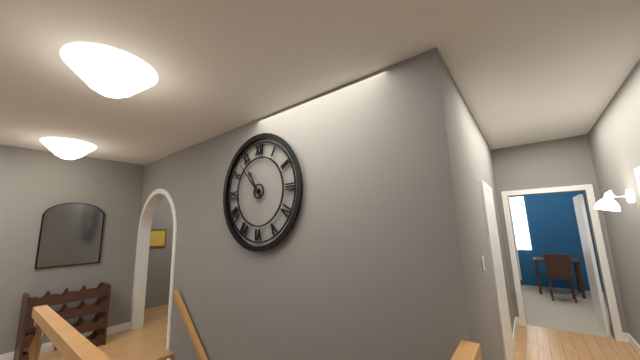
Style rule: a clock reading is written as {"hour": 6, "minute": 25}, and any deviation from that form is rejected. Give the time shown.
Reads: {"hour": 10, "minute": 53}
